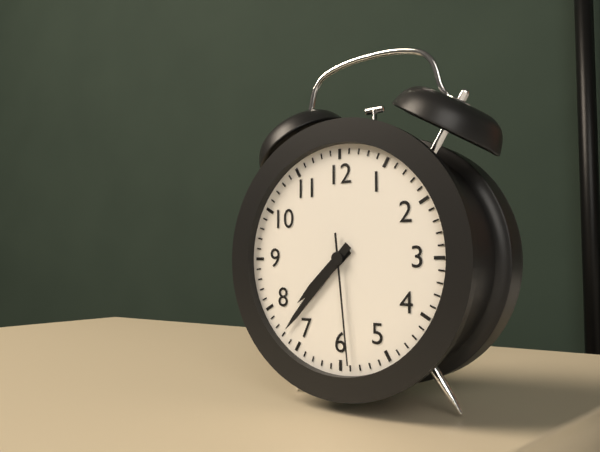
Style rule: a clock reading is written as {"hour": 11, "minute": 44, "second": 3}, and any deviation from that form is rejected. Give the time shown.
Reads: {"hour": 7, "minute": 37, "second": 29}
